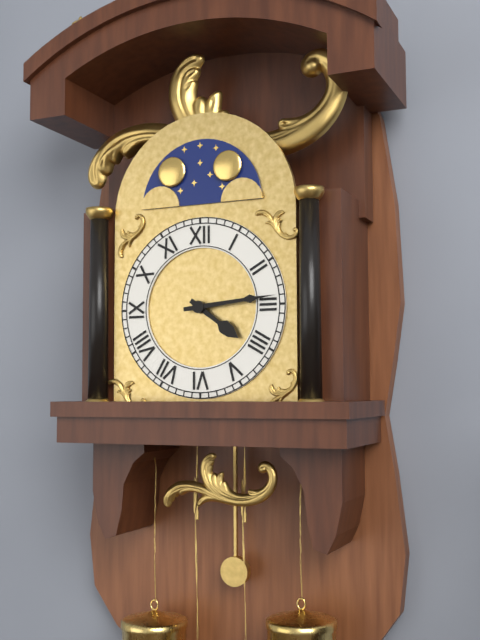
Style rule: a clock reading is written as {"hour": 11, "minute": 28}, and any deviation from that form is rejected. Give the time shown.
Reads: {"hour": 4, "minute": 14}
